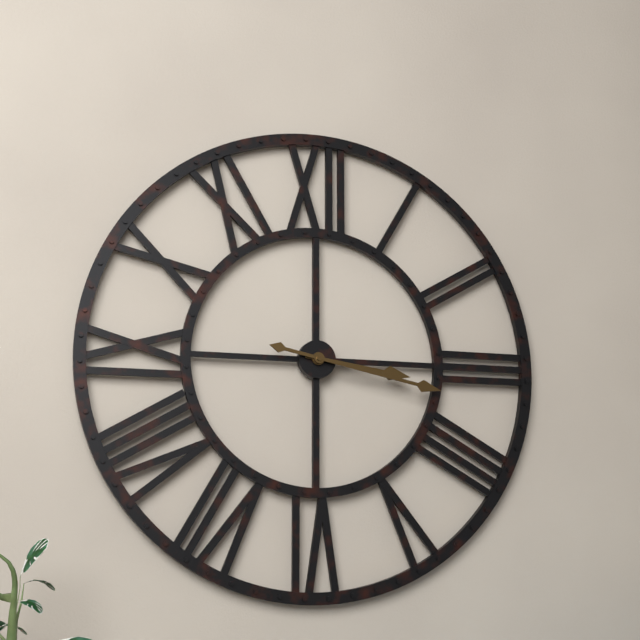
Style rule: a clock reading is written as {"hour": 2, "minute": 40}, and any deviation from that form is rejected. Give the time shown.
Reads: {"hour": 3, "minute": 17}
